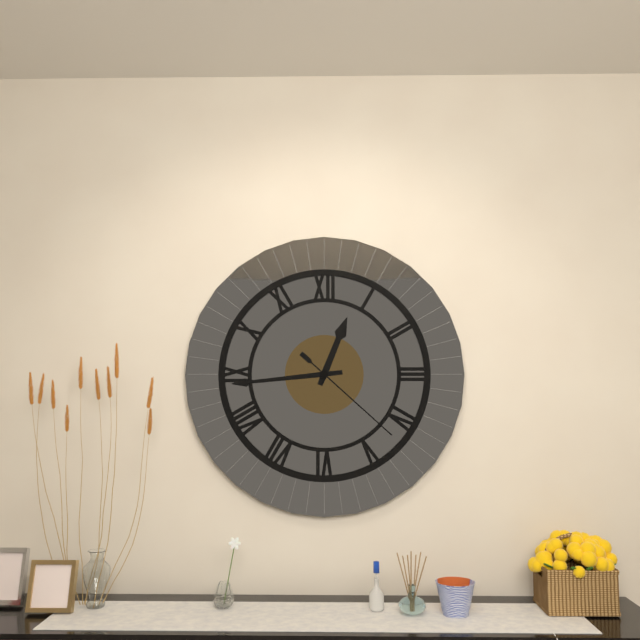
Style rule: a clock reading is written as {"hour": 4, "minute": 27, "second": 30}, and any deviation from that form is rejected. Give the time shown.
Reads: {"hour": 12, "minute": 44, "second": 22}
